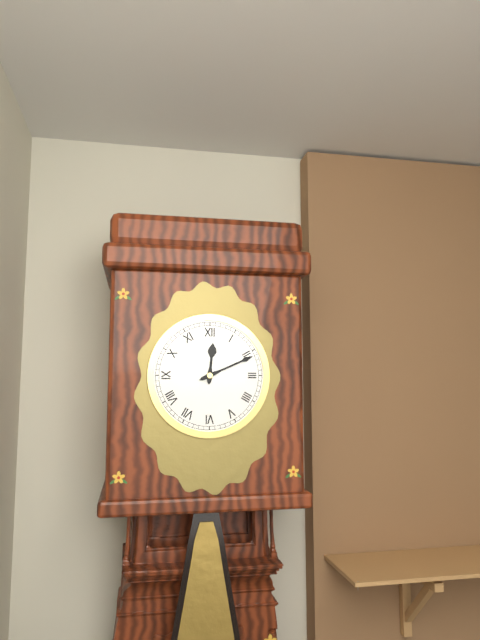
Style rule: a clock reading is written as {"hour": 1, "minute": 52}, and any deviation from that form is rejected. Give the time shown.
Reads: {"hour": 12, "minute": 11}
